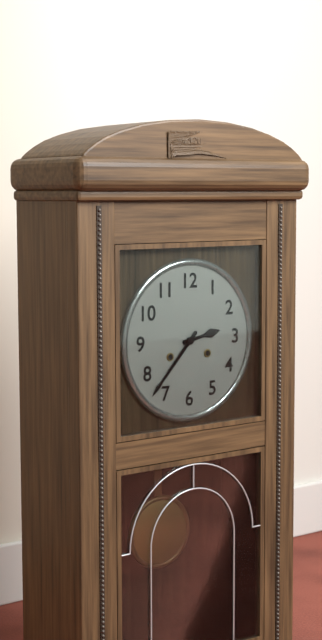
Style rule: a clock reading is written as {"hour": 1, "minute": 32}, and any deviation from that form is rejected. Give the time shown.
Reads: {"hour": 2, "minute": 37}
